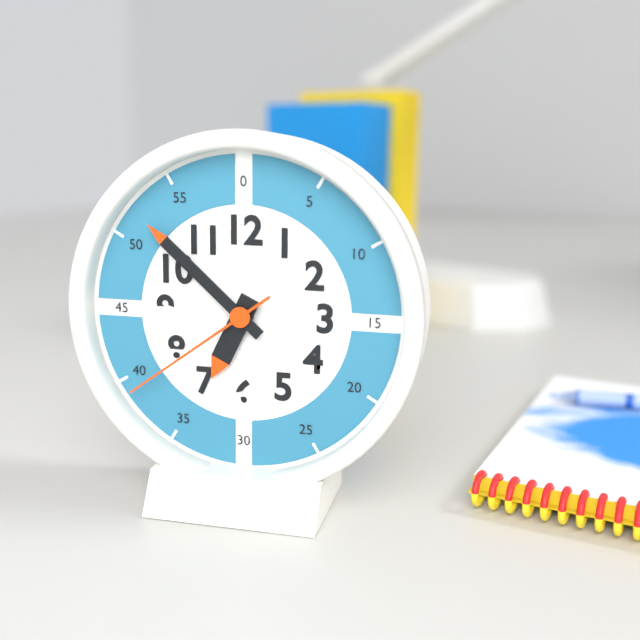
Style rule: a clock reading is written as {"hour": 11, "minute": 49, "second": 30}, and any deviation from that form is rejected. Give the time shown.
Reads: {"hour": 6, "minute": 52, "second": 39}
